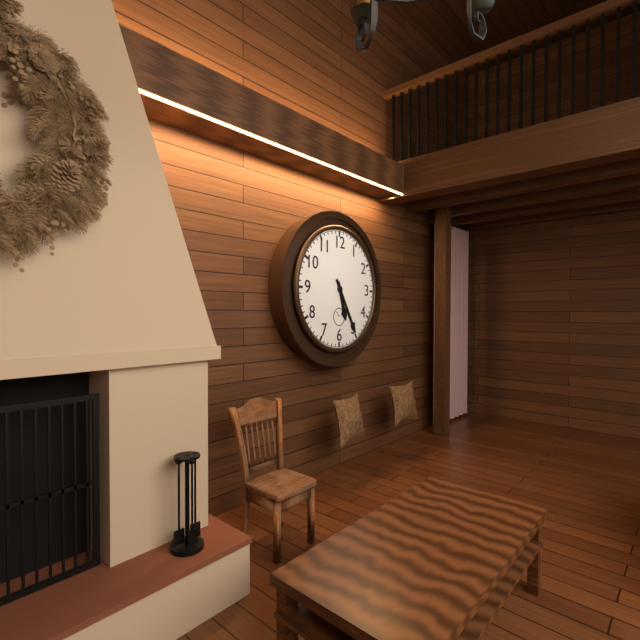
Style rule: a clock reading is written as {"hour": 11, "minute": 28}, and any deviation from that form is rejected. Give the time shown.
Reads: {"hour": 5, "minute": 25}
